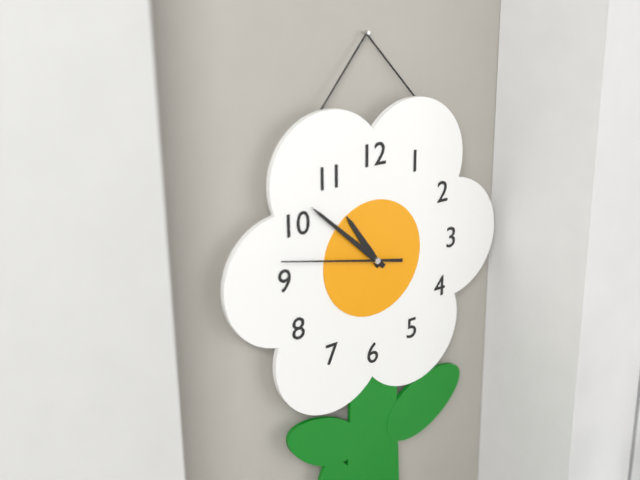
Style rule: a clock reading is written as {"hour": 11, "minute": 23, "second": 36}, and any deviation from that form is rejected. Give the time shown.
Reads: {"hour": 10, "minute": 52, "second": 47}
